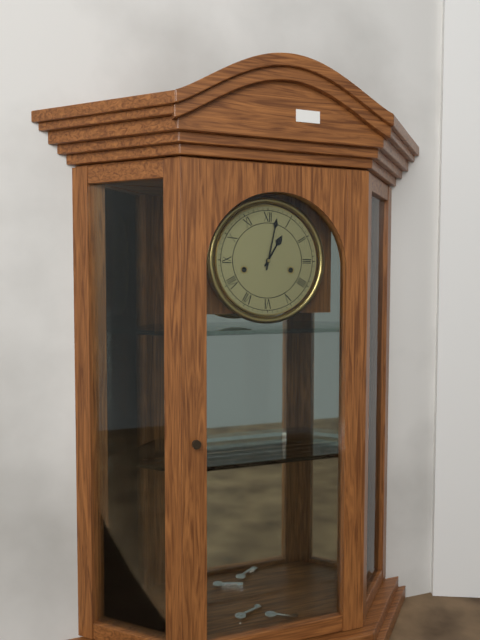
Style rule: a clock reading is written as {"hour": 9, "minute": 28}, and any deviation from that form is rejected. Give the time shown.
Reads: {"hour": 1, "minute": 2}
